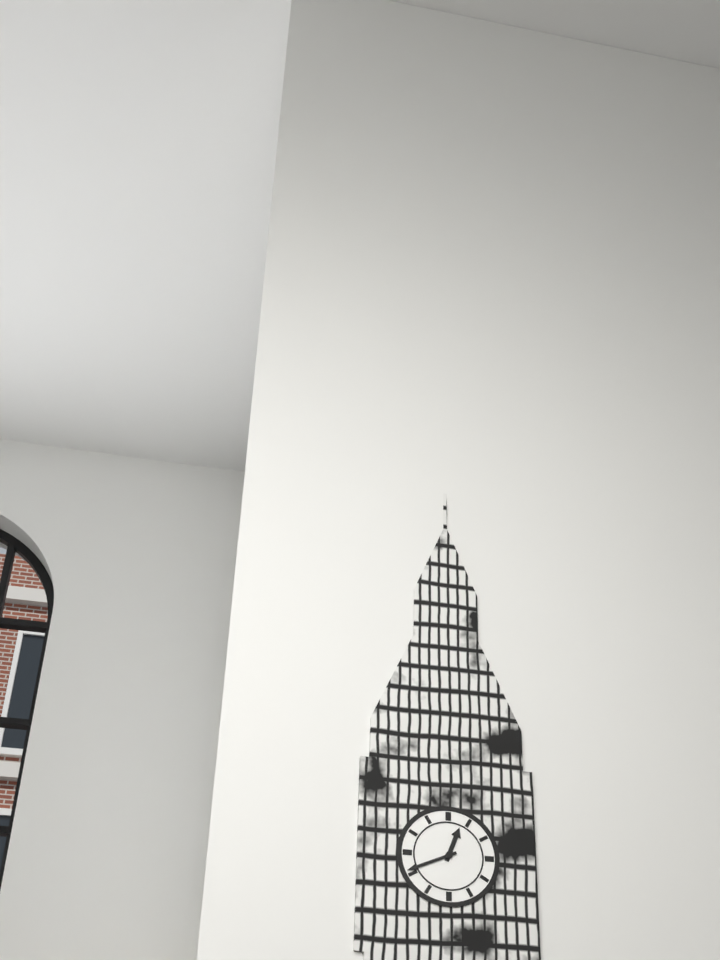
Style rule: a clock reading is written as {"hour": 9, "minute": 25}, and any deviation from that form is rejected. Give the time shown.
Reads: {"hour": 12, "minute": 41}
